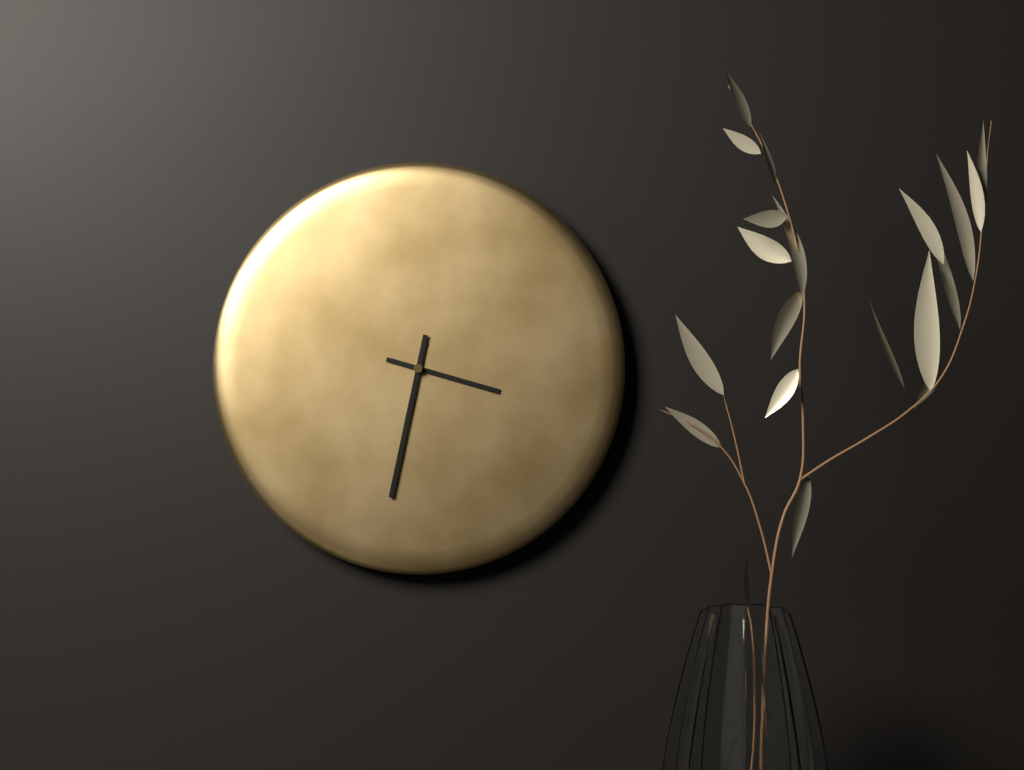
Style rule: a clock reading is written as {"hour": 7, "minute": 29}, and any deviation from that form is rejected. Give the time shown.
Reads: {"hour": 3, "minute": 32}
